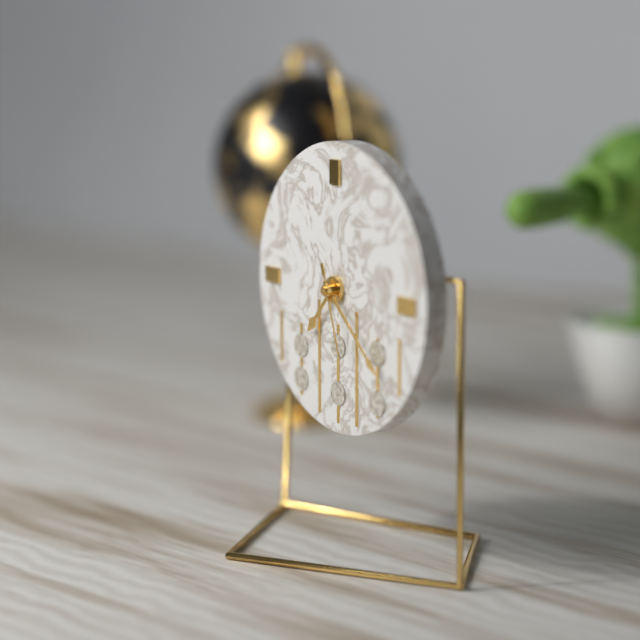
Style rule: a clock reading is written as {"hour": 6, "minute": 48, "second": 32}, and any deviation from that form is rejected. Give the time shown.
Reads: {"hour": 7, "minute": 22, "second": 27}
